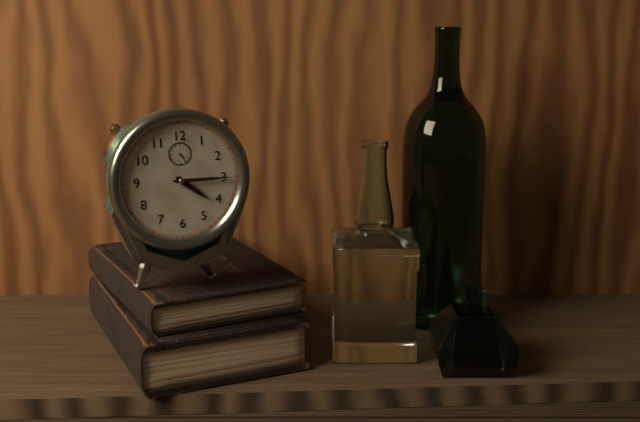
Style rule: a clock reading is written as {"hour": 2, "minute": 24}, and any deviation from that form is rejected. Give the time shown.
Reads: {"hour": 4, "minute": 15}
